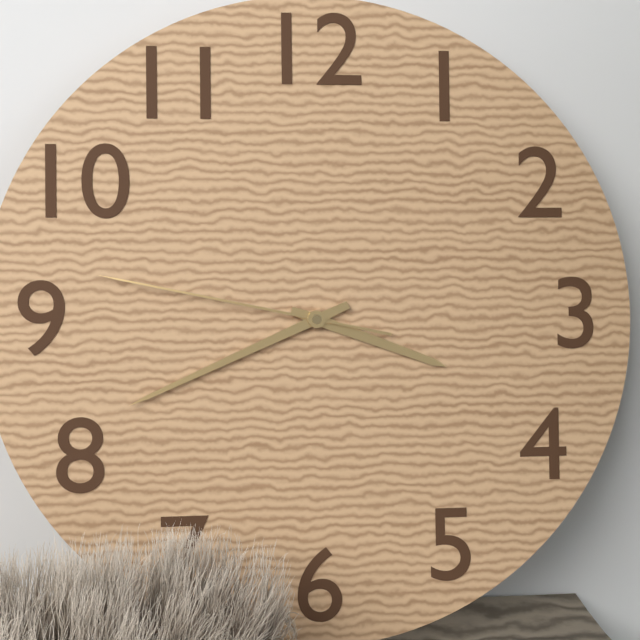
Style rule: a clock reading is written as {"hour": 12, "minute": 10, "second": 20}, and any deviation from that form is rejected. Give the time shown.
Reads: {"hour": 3, "minute": 41, "second": 47}
